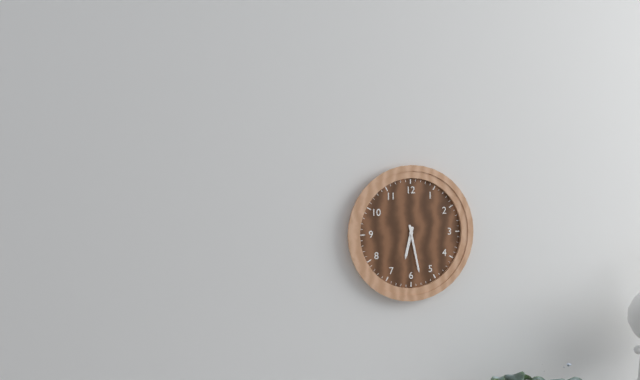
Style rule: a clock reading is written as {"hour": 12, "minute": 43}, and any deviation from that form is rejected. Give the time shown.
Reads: {"hour": 6, "minute": 28}
